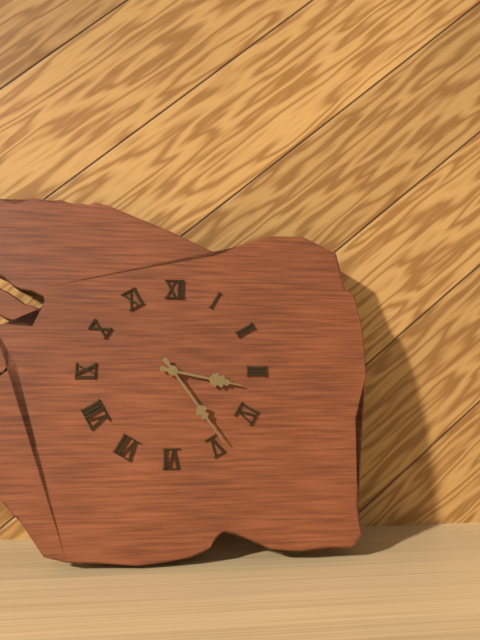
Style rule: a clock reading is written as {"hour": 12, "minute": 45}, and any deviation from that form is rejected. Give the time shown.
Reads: {"hour": 3, "minute": 24}
